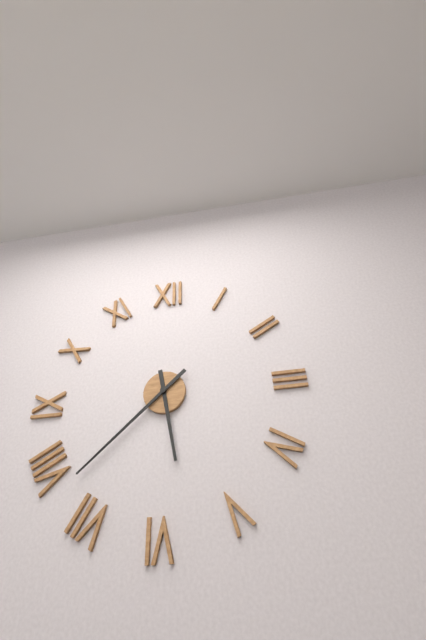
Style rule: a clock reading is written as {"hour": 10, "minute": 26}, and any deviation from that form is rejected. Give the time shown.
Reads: {"hour": 5, "minute": 38}
